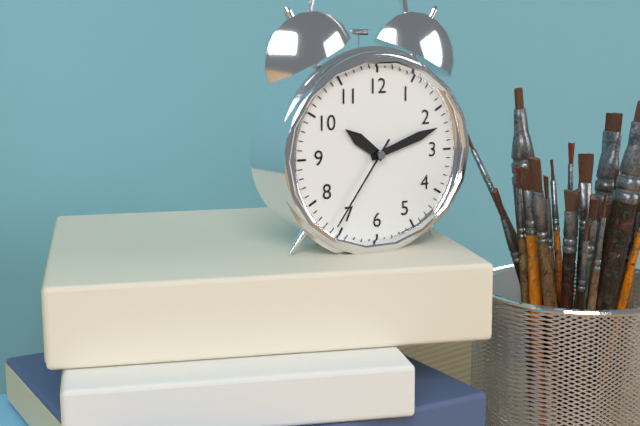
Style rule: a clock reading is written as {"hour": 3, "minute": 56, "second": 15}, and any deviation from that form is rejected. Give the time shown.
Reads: {"hour": 10, "minute": 12, "second": 36}
